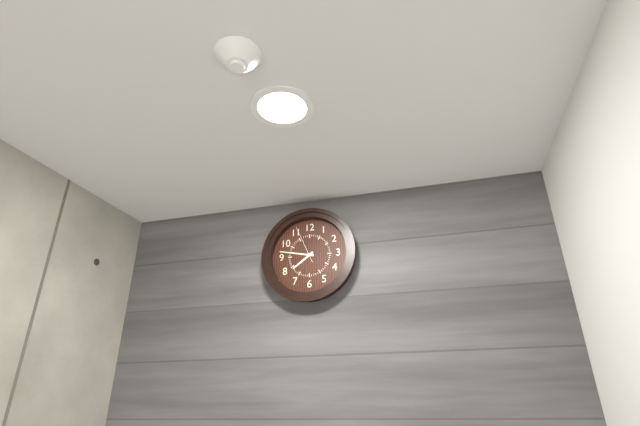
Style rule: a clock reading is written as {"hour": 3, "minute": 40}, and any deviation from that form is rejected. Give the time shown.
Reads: {"hour": 7, "minute": 47}
